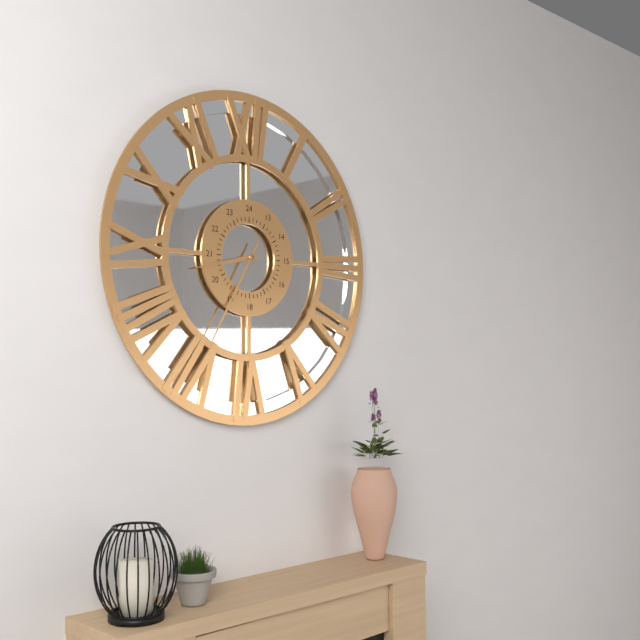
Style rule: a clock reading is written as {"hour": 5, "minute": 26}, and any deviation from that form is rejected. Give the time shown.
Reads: {"hour": 8, "minute": 35}
